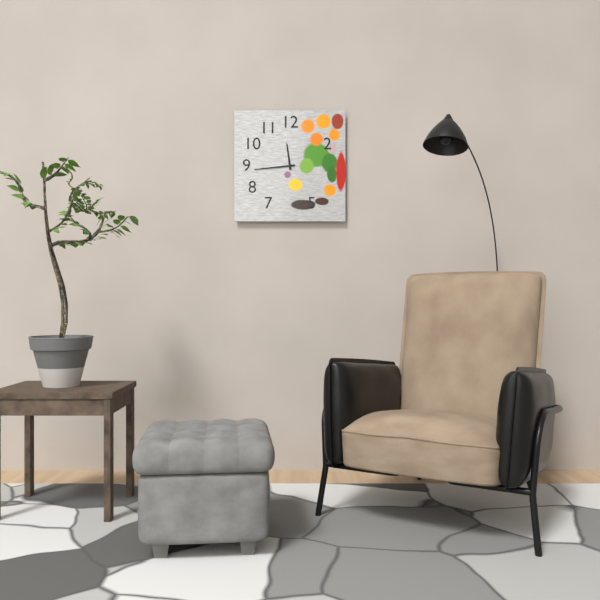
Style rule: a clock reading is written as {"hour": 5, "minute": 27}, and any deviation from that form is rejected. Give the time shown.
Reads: {"hour": 11, "minute": 44}
